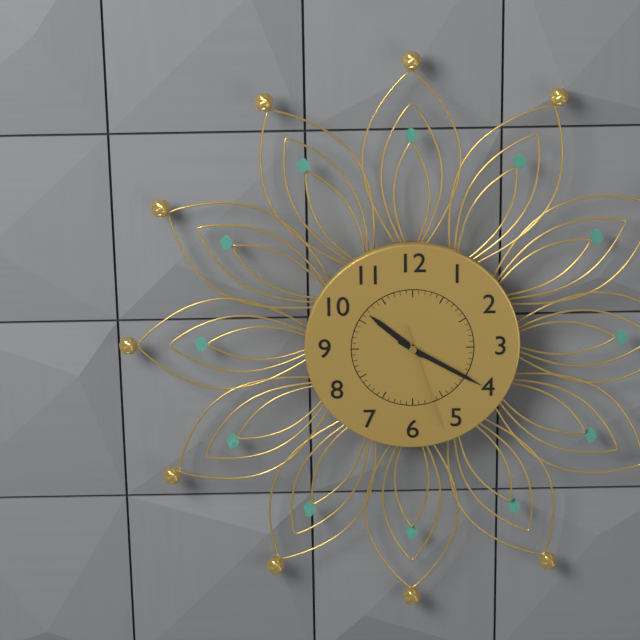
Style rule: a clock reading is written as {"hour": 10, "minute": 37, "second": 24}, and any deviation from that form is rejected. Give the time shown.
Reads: {"hour": 10, "minute": 20, "second": 27}
